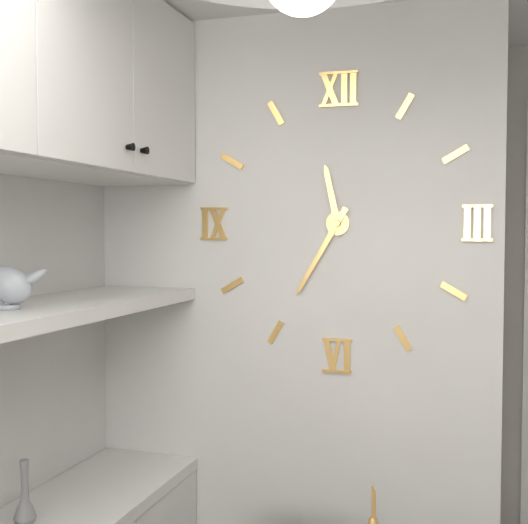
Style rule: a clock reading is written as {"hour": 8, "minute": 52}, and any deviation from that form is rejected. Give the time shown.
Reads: {"hour": 11, "minute": 35}
